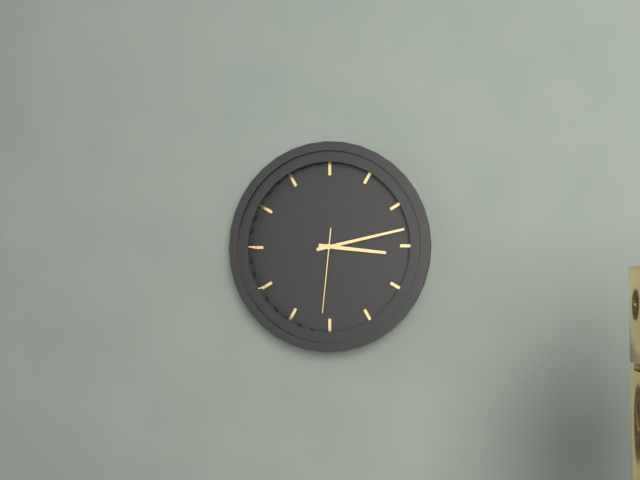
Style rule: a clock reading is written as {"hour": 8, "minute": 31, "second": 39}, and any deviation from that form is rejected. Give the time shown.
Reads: {"hour": 3, "minute": 13, "second": 31}
